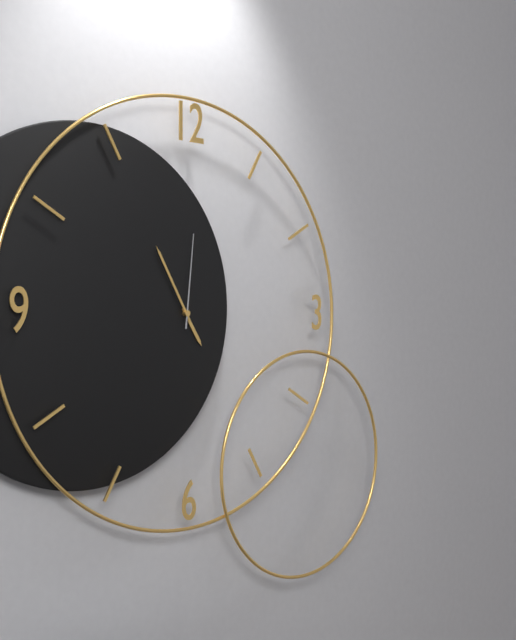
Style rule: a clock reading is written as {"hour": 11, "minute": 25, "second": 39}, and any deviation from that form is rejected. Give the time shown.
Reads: {"hour": 4, "minute": 55, "second": 1}
